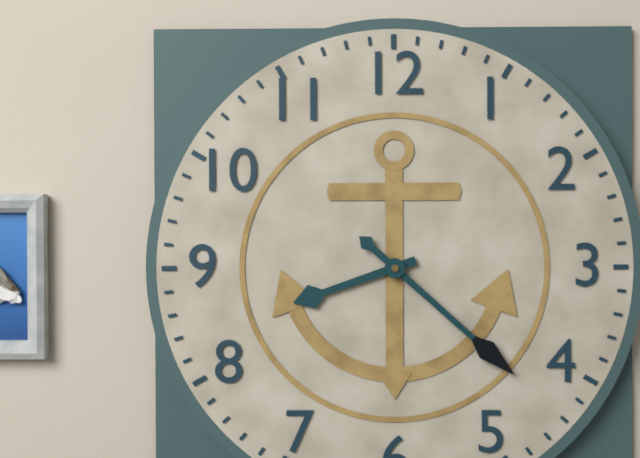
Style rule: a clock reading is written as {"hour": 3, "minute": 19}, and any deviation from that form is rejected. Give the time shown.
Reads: {"hour": 8, "minute": 22}
